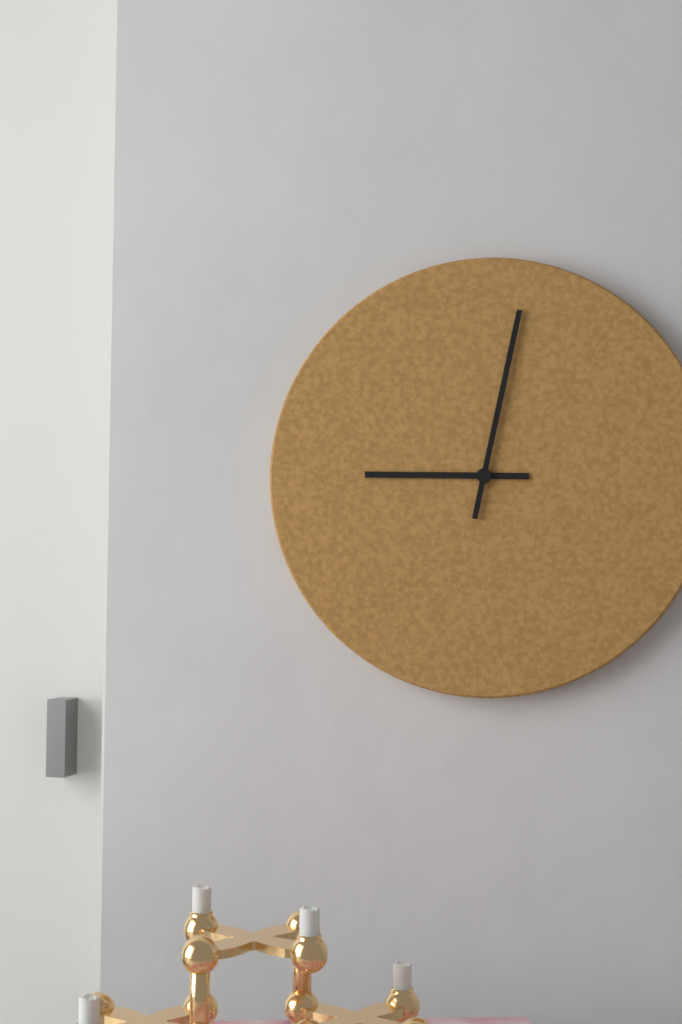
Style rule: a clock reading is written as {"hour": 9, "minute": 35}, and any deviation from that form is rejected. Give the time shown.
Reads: {"hour": 9, "minute": 2}
